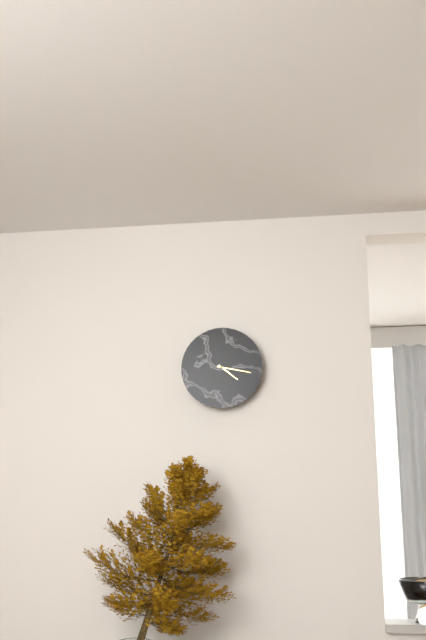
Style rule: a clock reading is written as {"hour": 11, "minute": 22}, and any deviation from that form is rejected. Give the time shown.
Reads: {"hour": 4, "minute": 17}
